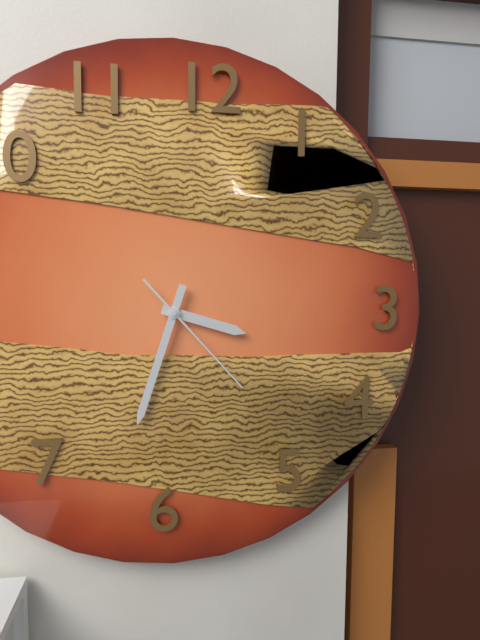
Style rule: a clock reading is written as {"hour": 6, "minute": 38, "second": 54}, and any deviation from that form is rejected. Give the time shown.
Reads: {"hour": 3, "minute": 33, "second": 23}
